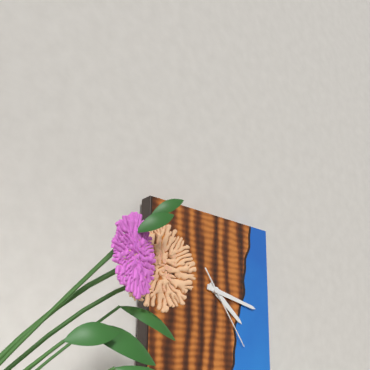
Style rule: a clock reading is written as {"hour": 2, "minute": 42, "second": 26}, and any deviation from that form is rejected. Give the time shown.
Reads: {"hour": 4, "minute": 17, "second": 24}
